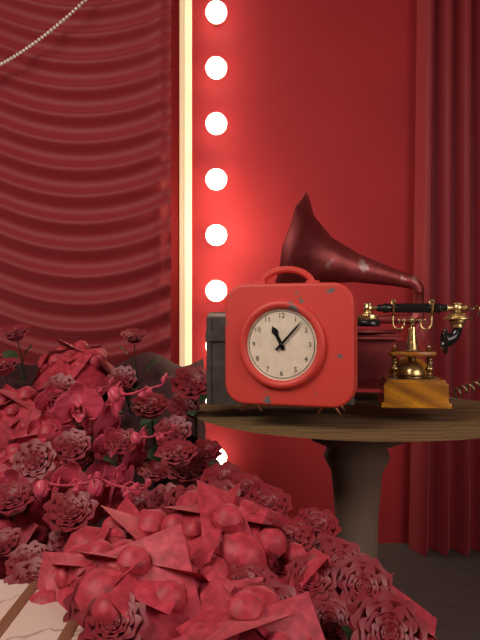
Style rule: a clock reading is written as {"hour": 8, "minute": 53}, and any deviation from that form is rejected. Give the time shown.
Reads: {"hour": 11, "minute": 7}
